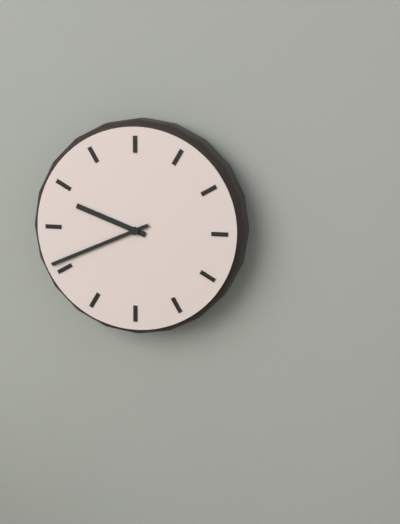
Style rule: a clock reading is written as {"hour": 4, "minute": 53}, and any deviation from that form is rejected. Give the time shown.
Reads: {"hour": 9, "minute": 41}
